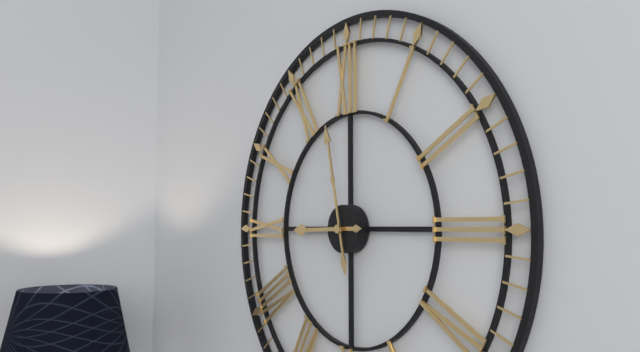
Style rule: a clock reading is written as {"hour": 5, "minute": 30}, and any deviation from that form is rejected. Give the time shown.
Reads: {"hour": 8, "minute": 58}
